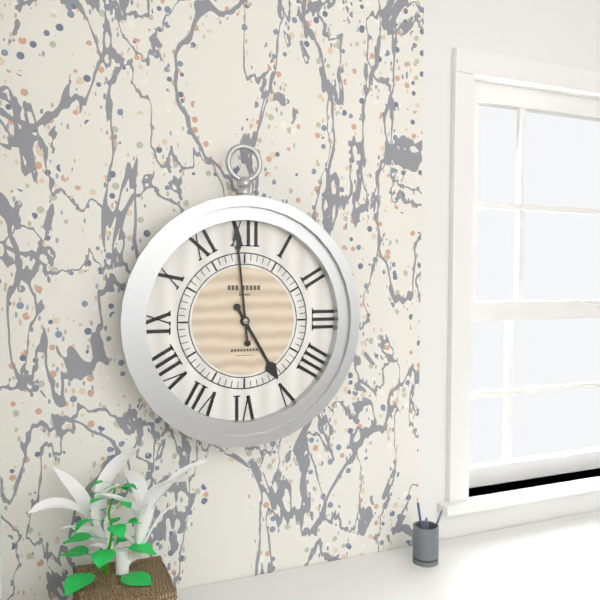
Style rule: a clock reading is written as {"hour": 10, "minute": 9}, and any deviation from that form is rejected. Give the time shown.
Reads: {"hour": 4, "minute": 59}
